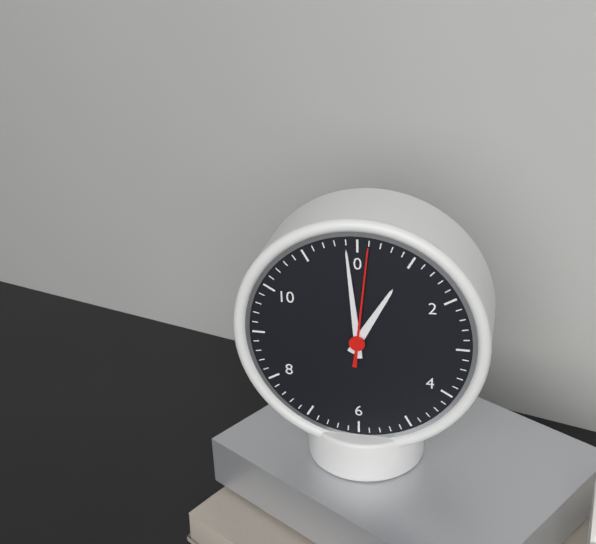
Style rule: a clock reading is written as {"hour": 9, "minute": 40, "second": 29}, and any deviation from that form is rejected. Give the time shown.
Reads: {"hour": 12, "minute": 59, "second": 1}
